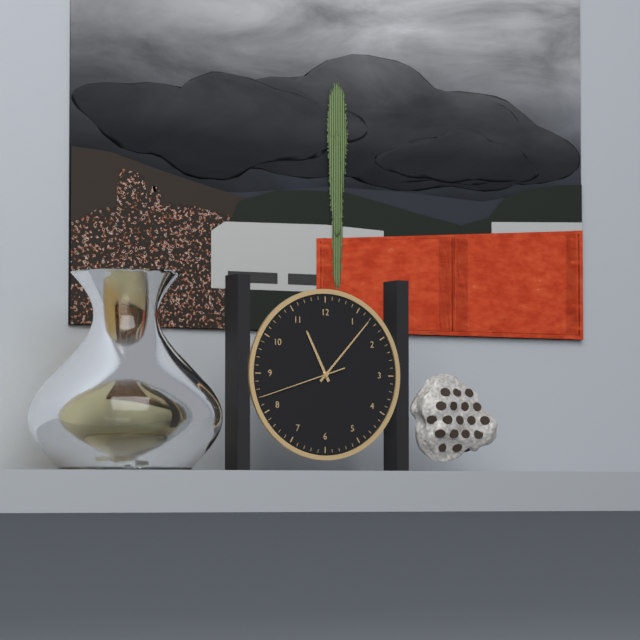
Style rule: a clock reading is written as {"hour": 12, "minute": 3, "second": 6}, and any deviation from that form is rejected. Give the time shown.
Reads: {"hour": 11, "minute": 7, "second": 42}
